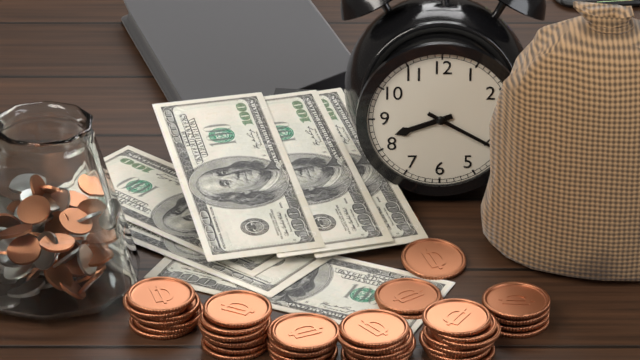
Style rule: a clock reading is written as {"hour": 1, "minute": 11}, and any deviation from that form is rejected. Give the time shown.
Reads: {"hour": 8, "minute": 20}
